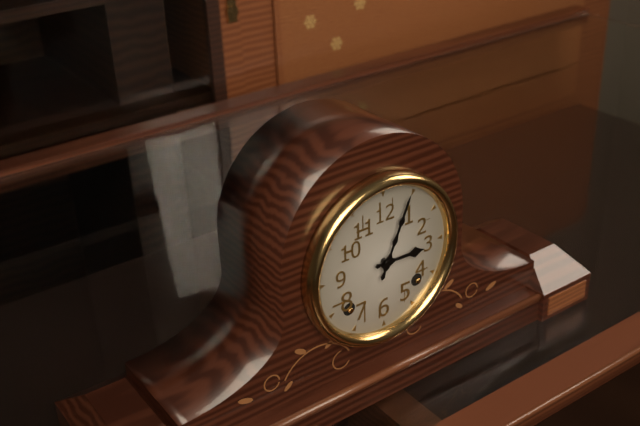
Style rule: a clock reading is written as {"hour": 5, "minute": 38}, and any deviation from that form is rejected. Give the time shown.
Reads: {"hour": 3, "minute": 4}
